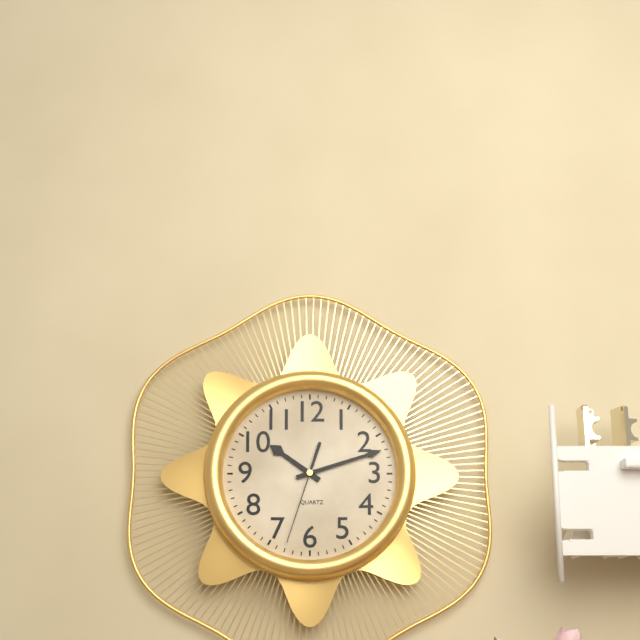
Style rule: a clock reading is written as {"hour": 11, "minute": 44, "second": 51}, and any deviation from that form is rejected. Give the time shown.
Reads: {"hour": 10, "minute": 12, "second": 33}
